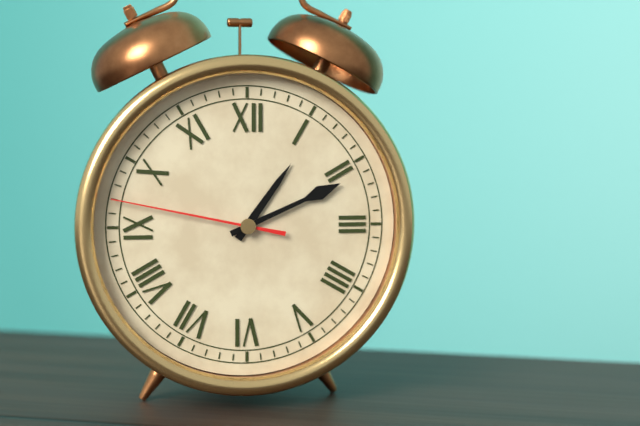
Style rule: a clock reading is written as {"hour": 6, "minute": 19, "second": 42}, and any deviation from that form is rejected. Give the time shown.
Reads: {"hour": 1, "minute": 11, "second": 47}
